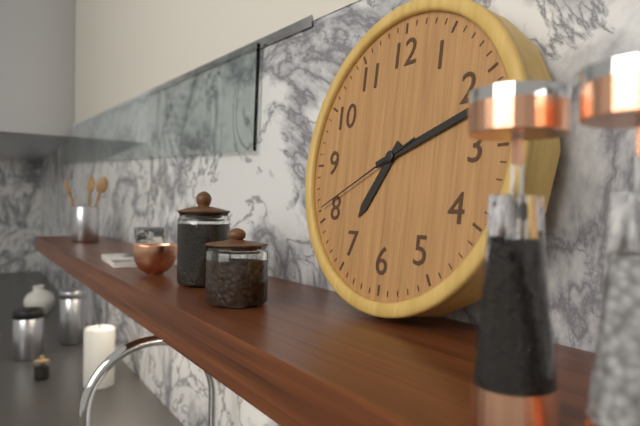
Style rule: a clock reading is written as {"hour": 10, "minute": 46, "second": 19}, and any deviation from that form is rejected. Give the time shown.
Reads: {"hour": 7, "minute": 12, "second": 41}
